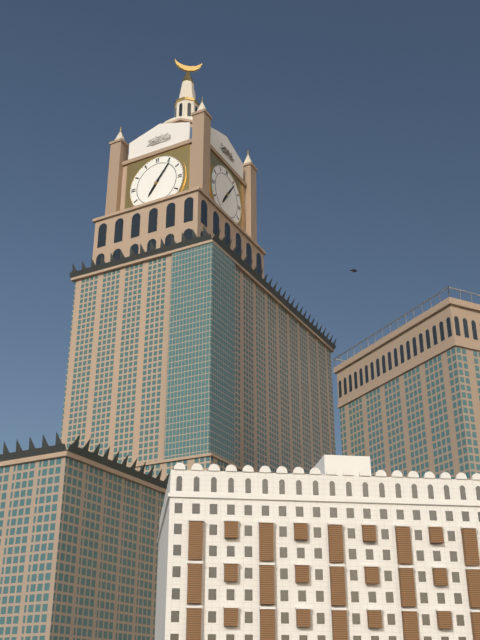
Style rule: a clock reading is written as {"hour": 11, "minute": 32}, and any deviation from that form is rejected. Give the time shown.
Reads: {"hour": 7, "minute": 6}
